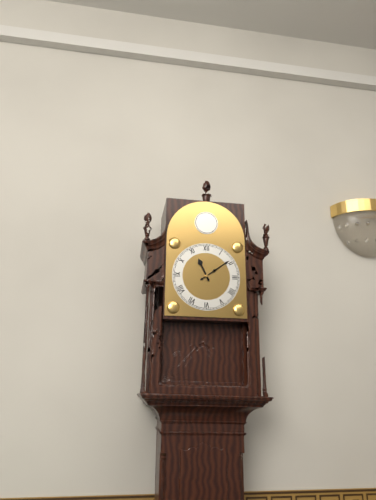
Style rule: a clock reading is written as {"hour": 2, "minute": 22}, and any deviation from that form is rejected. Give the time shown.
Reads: {"hour": 11, "minute": 9}
